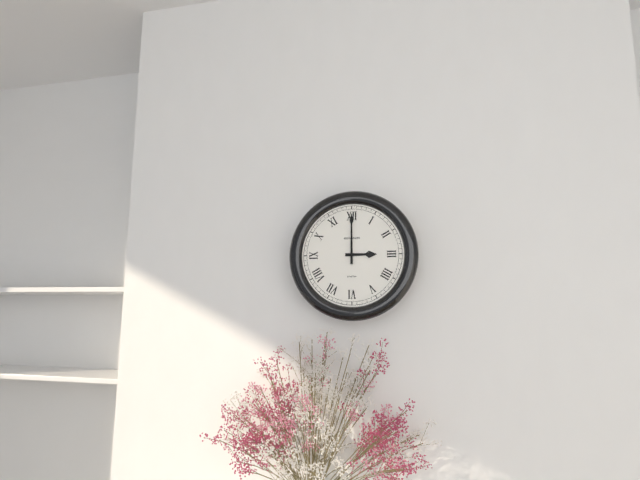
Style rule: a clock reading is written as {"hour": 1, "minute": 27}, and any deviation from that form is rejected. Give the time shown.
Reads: {"hour": 3, "minute": 0}
